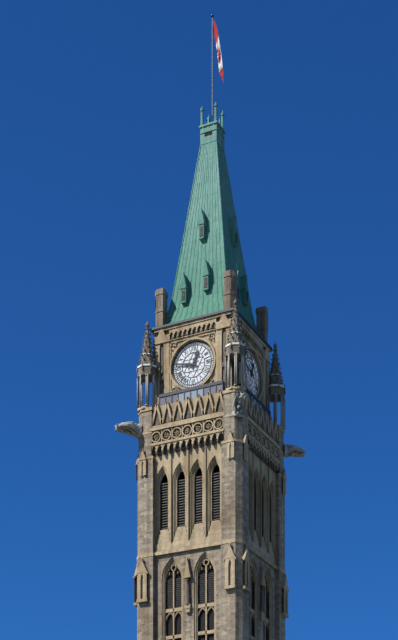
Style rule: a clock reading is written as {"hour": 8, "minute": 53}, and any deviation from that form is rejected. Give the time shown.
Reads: {"hour": 12, "minute": 47}
